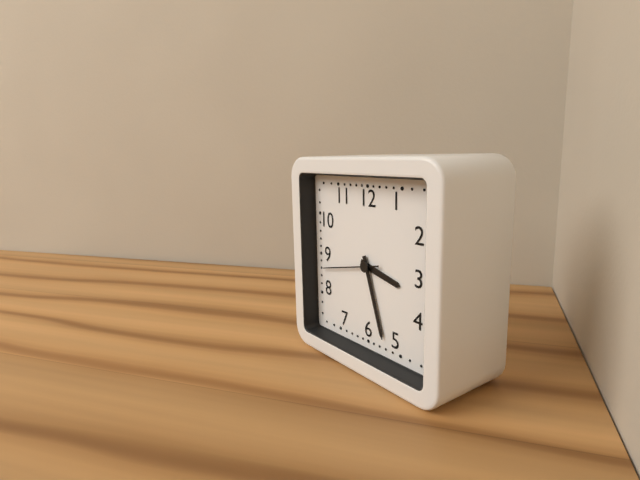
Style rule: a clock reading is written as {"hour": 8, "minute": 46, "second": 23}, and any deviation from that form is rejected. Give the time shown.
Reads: {"hour": 3, "minute": 27, "second": 43}
